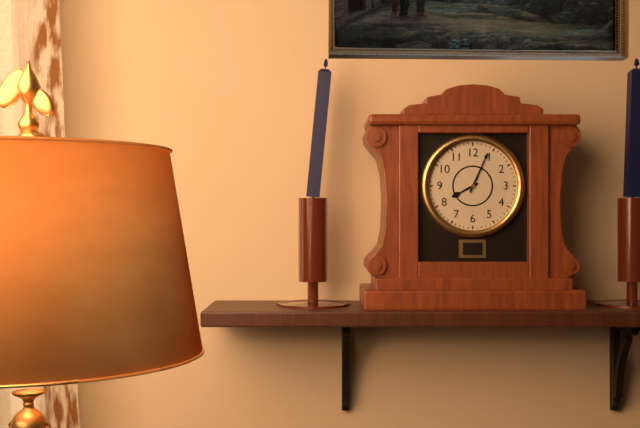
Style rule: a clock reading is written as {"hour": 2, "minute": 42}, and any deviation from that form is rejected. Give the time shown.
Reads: {"hour": 8, "minute": 4}
